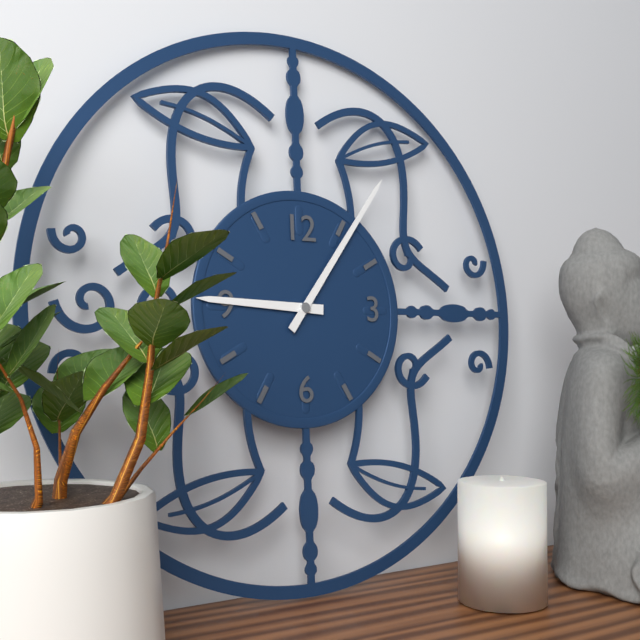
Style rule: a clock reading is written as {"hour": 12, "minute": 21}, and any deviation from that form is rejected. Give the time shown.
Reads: {"hour": 9, "minute": 6}
